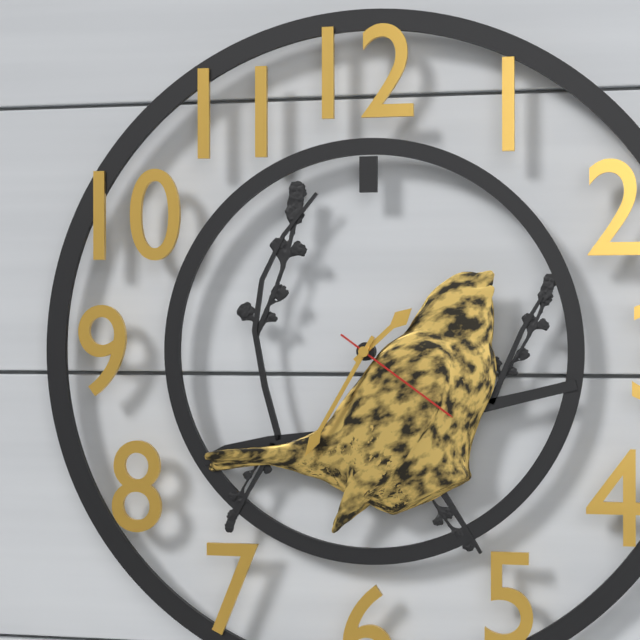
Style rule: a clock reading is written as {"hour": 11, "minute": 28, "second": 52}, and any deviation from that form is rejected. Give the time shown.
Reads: {"hour": 1, "minute": 35, "second": 21}
